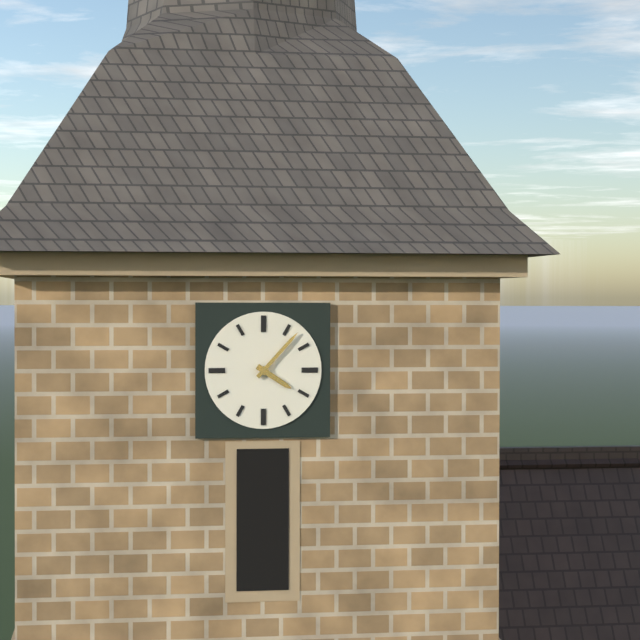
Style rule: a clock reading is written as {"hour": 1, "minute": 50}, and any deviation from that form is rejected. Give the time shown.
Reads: {"hour": 4, "minute": 7}
